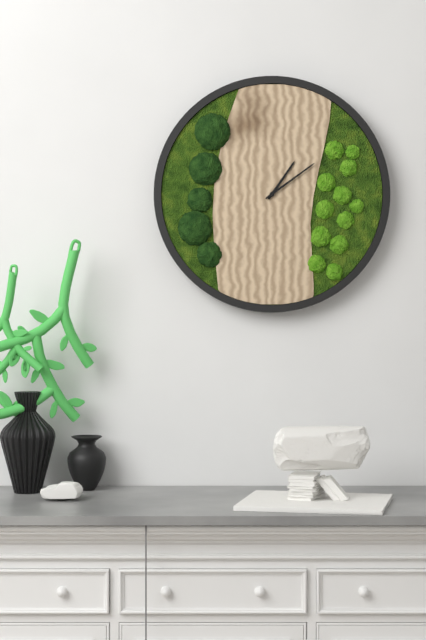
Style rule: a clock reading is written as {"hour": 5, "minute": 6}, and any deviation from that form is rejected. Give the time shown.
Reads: {"hour": 1, "minute": 9}
